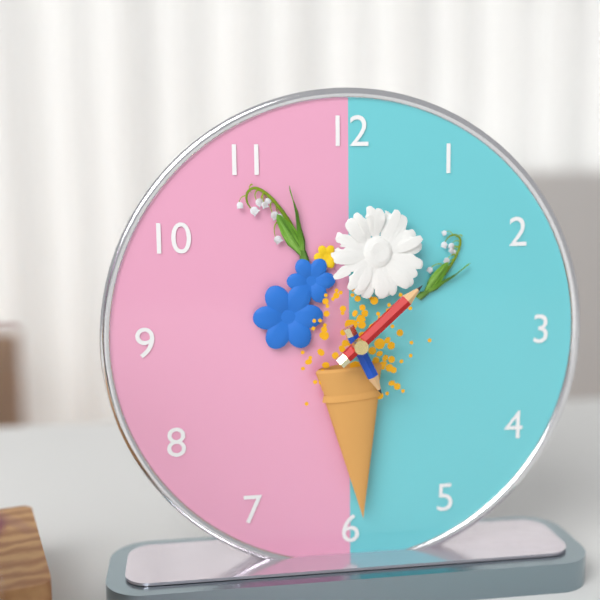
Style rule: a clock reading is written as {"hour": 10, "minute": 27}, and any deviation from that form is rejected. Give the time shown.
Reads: {"hour": 5, "minute": 8}
